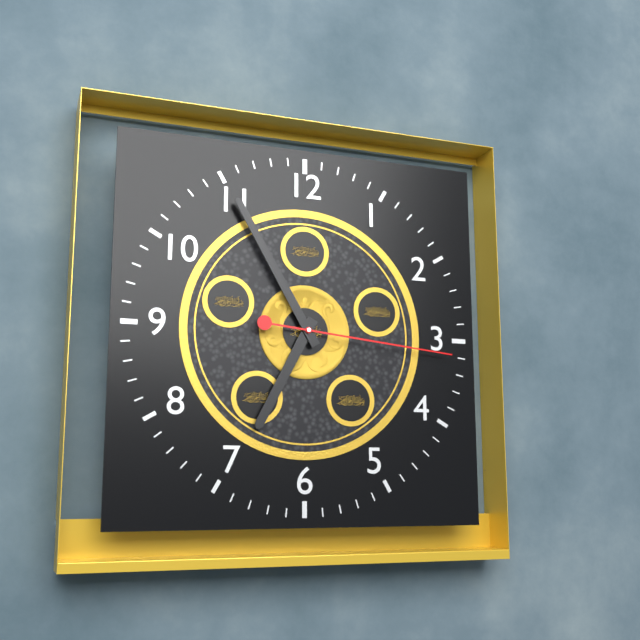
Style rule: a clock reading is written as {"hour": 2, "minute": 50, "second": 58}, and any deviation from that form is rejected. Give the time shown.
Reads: {"hour": 6, "minute": 55, "second": 16}
